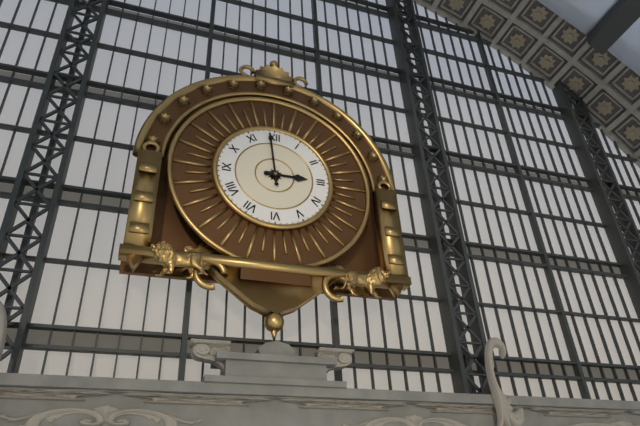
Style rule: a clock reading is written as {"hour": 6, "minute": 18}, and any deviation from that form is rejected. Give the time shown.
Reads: {"hour": 2, "minute": 59}
